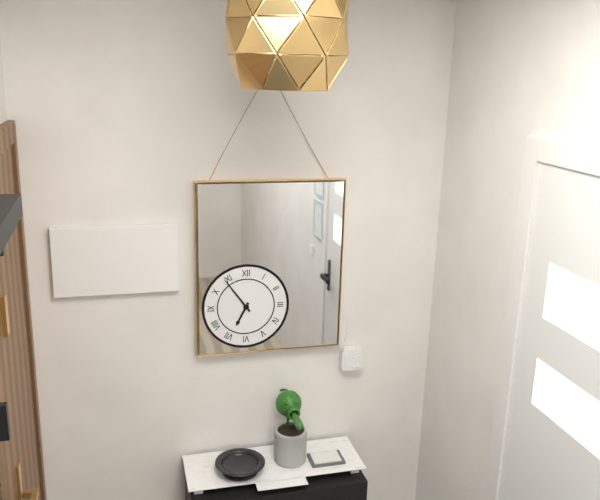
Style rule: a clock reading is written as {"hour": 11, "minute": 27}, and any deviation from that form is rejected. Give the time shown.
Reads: {"hour": 6, "minute": 54}
